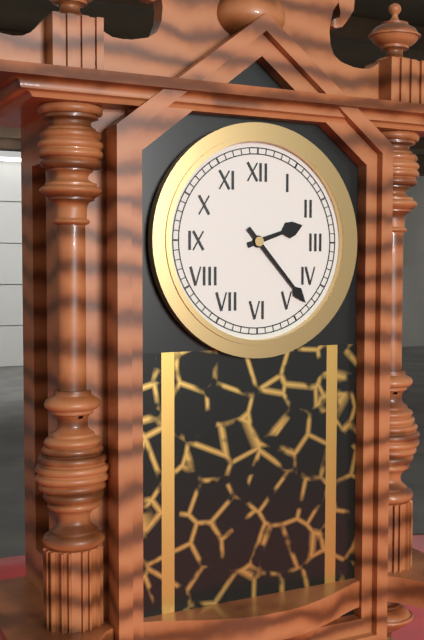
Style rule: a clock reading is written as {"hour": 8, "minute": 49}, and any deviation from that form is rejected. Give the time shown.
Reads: {"hour": 2, "minute": 23}
